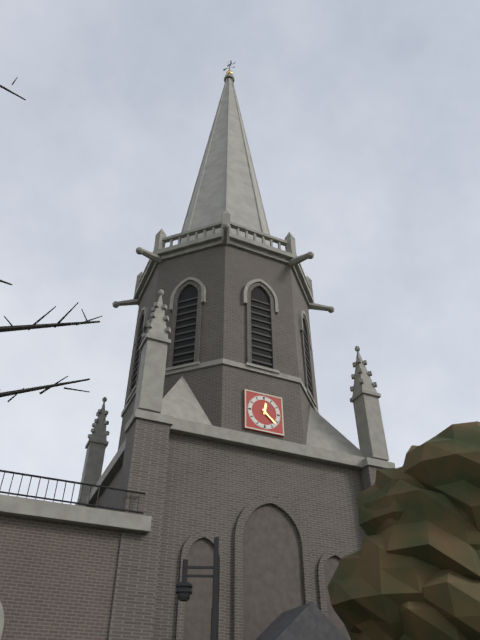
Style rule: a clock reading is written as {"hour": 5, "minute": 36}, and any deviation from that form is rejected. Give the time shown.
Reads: {"hour": 12, "minute": 22}
